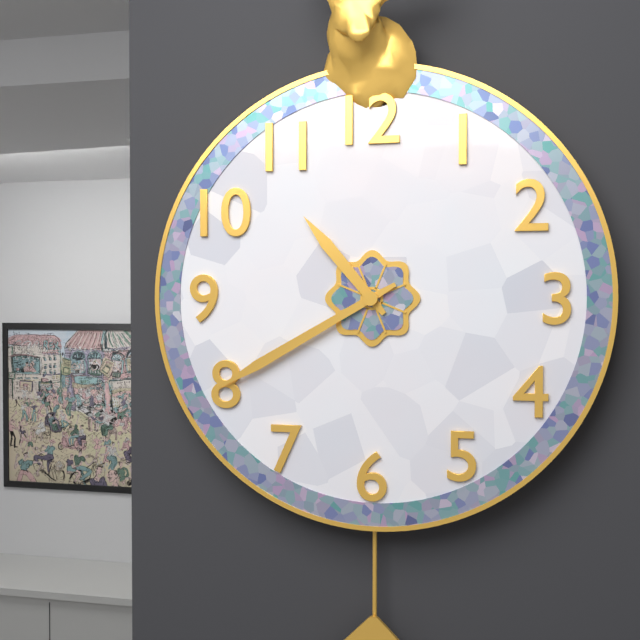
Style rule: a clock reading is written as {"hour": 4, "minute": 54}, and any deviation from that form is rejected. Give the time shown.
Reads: {"hour": 10, "minute": 40}
